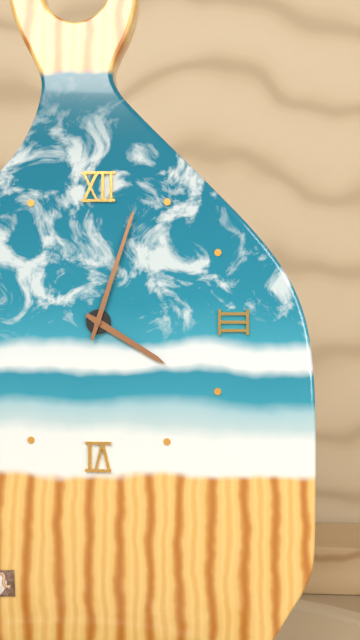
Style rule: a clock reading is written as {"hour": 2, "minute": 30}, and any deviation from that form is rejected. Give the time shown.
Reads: {"hour": 4, "minute": 3}
